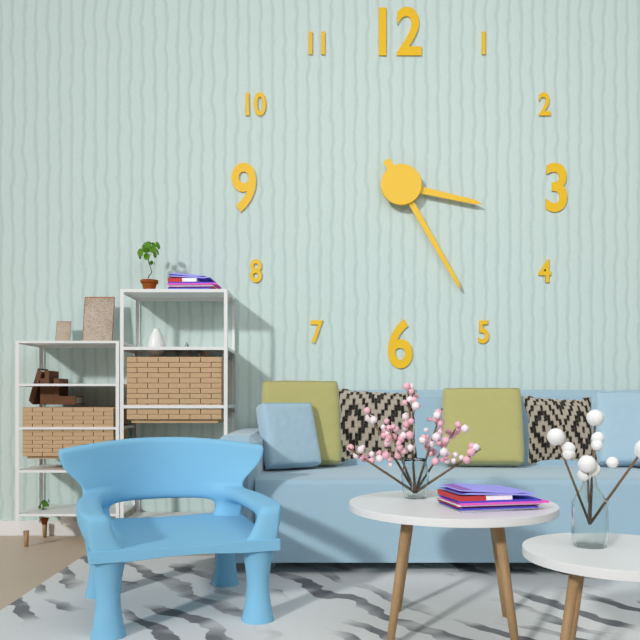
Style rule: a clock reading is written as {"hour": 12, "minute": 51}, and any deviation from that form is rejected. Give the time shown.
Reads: {"hour": 3, "minute": 25}
